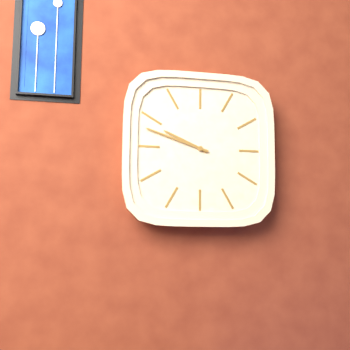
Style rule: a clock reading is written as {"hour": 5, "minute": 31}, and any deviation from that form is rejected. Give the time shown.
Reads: {"hour": 9, "minute": 48}
